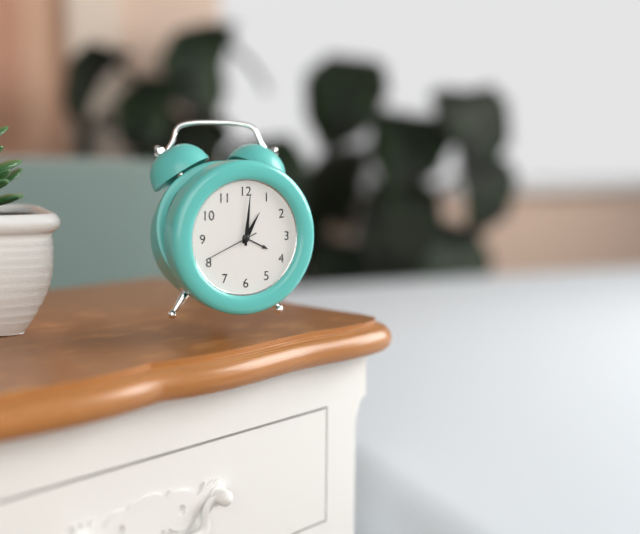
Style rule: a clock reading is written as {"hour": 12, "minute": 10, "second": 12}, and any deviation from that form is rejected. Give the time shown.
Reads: {"hour": 1, "minute": 1, "second": 41}
